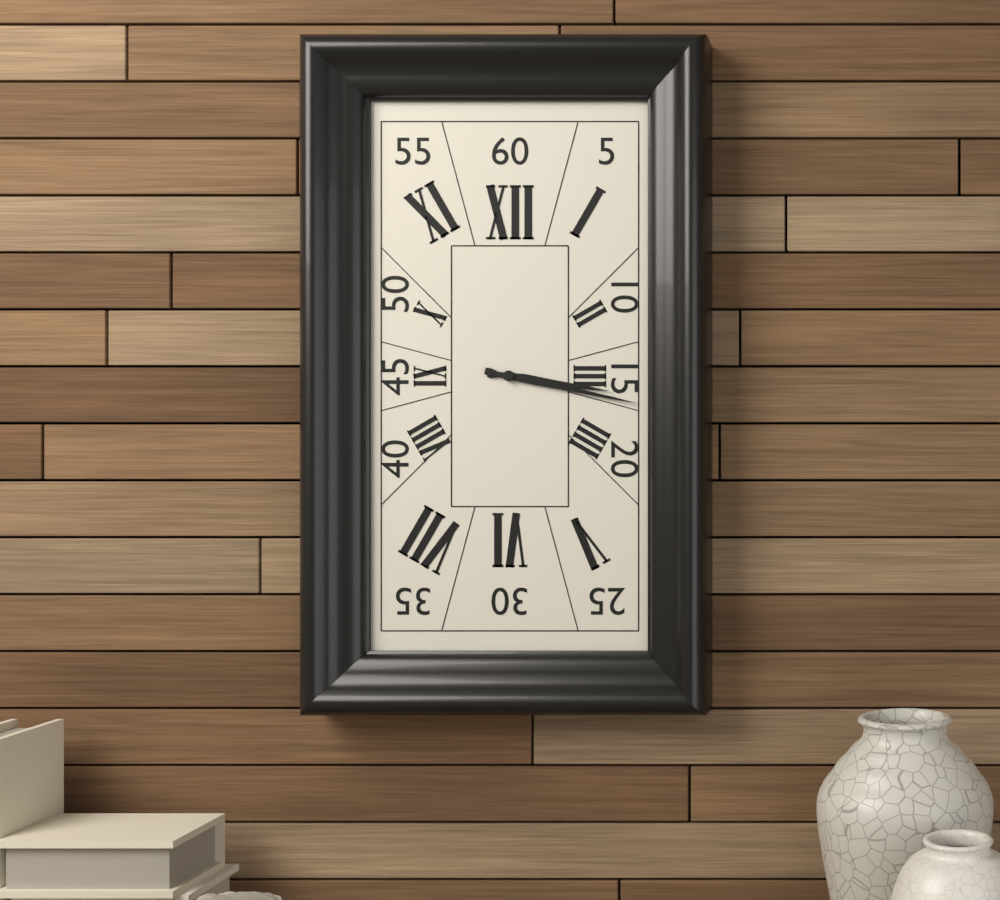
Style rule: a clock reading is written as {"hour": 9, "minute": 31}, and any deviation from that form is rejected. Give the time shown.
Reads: {"hour": 3, "minute": 17}
